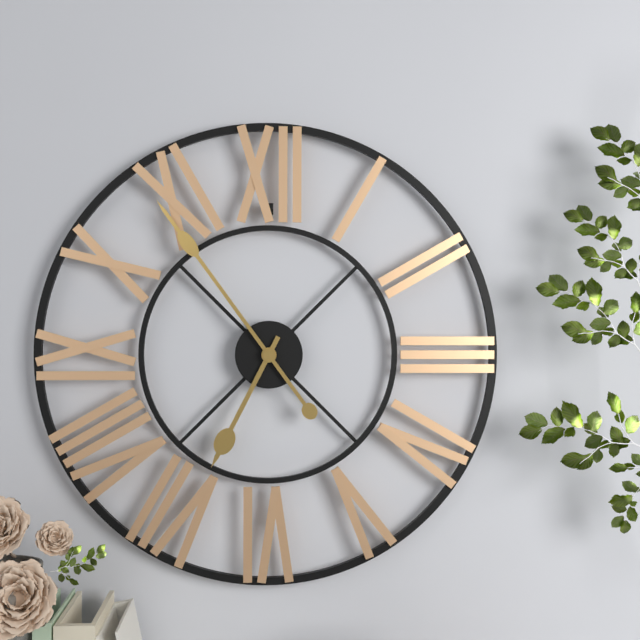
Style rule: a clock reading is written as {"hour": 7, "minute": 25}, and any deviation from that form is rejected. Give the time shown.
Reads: {"hour": 6, "minute": 54}
